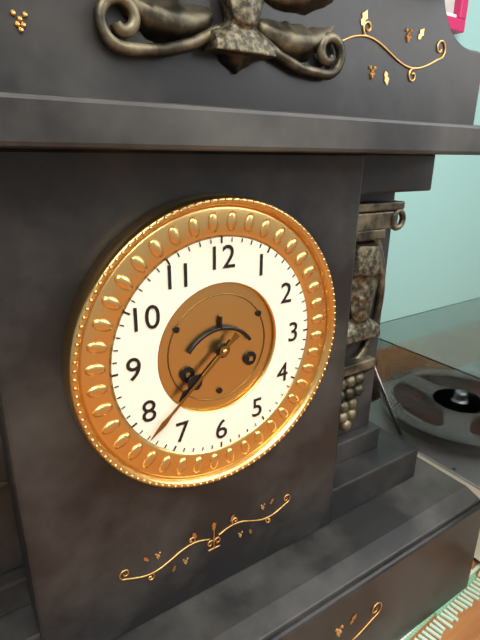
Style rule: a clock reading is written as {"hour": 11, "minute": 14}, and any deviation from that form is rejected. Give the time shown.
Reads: {"hour": 7, "minute": 38}
